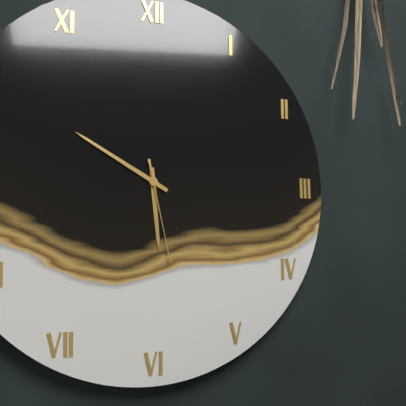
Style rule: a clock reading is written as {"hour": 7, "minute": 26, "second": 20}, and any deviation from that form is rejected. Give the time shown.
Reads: {"hour": 5, "minute": 50, "second": 28}
